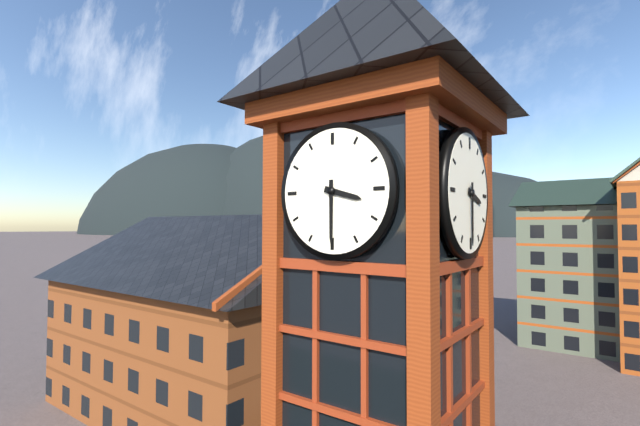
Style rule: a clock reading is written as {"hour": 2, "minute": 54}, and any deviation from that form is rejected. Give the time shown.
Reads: {"hour": 3, "minute": 30}
